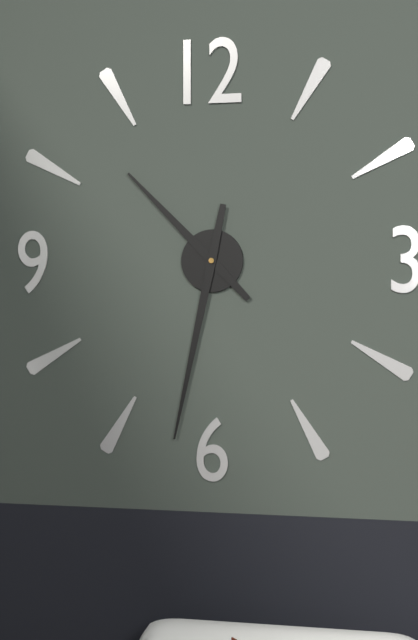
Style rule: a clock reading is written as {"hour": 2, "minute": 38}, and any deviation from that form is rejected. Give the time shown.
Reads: {"hour": 10, "minute": 32}
